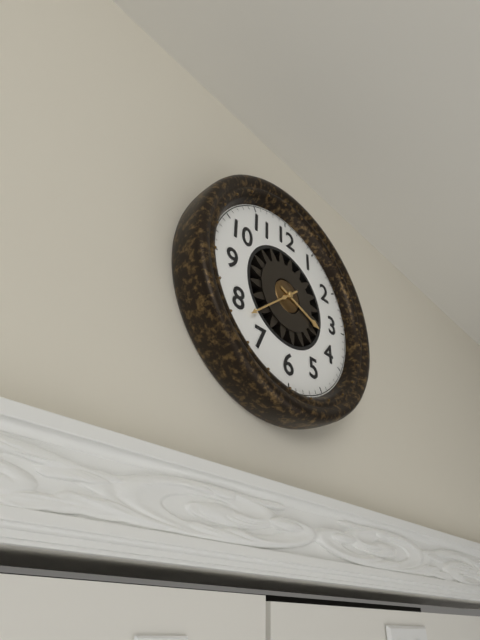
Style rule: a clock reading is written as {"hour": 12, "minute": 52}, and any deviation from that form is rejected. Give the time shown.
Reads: {"hour": 3, "minute": 38}
